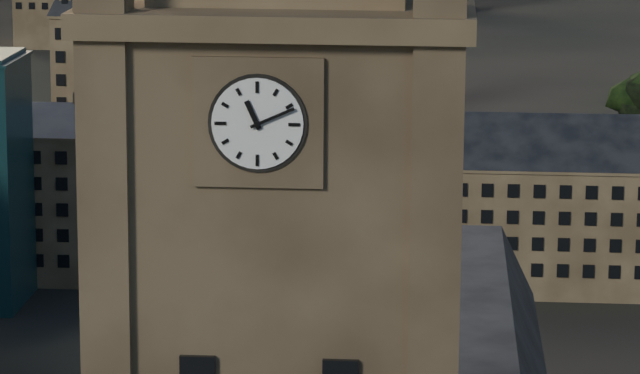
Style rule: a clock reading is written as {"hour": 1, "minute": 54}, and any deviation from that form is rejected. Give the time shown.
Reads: {"hour": 11, "minute": 11}
